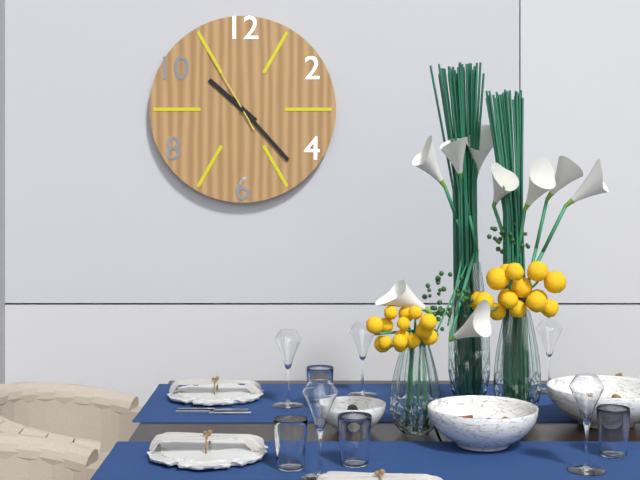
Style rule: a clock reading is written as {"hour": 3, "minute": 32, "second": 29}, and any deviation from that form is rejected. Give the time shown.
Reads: {"hour": 10, "minute": 23, "second": 55}
